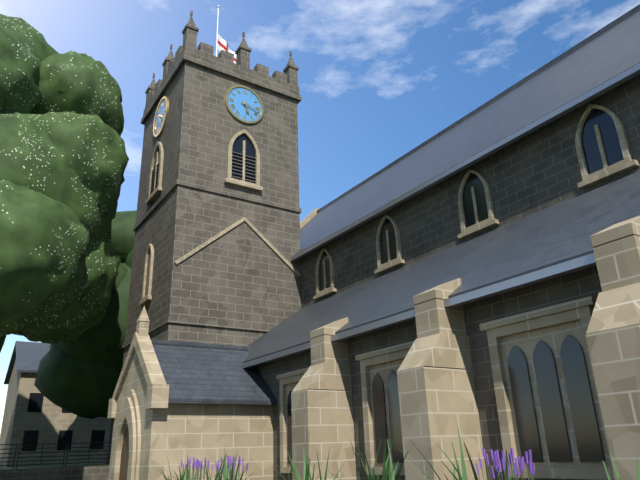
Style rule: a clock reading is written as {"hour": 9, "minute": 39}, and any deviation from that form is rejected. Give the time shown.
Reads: {"hour": 5, "minute": 17}
